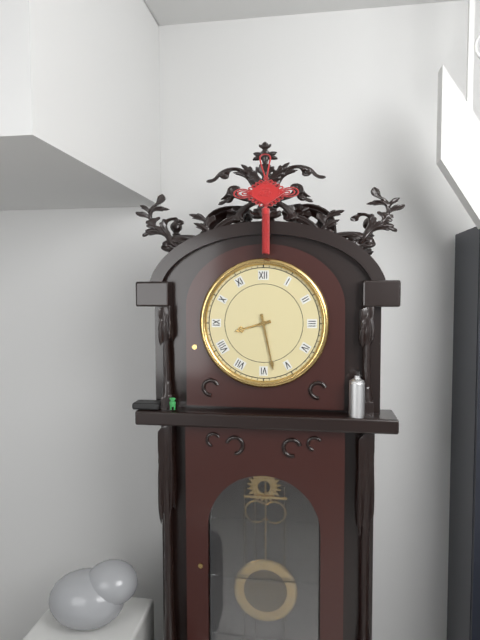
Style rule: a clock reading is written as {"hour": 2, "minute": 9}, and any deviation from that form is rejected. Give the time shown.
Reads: {"hour": 8, "minute": 28}
